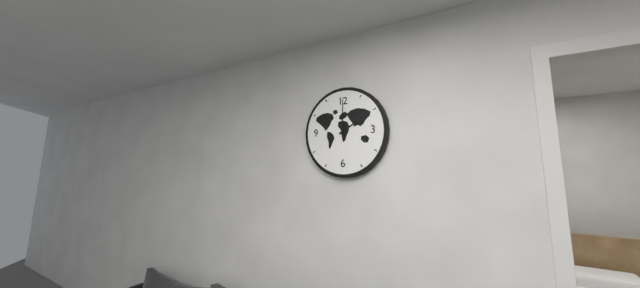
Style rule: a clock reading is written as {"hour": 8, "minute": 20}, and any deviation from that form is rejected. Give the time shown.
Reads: {"hour": 2, "minute": 0}
